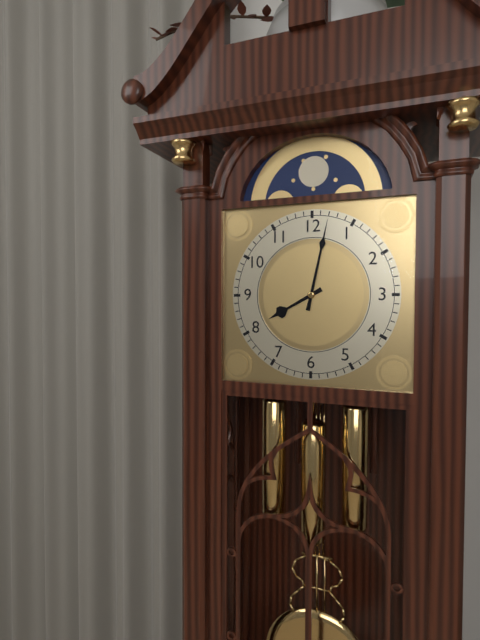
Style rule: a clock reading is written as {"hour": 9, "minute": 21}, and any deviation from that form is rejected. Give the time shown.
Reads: {"hour": 8, "minute": 2}
